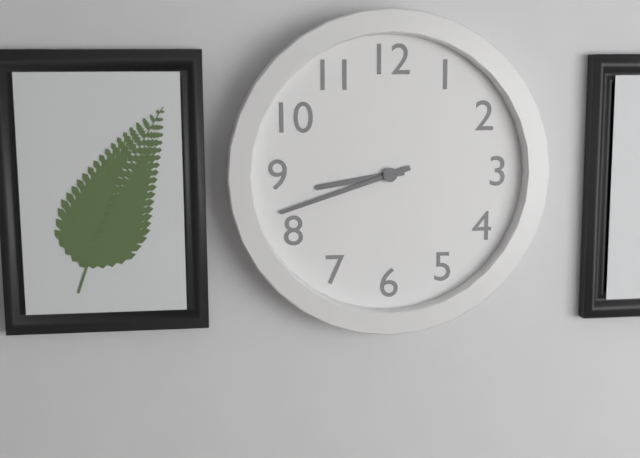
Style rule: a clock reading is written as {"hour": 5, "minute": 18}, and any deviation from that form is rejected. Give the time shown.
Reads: {"hour": 8, "minute": 42}
